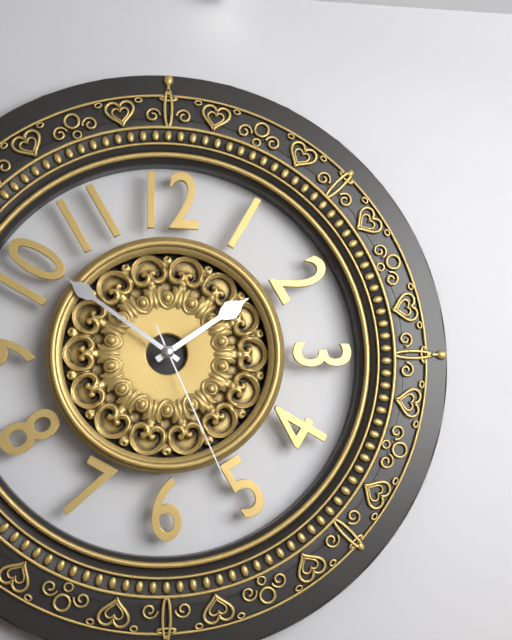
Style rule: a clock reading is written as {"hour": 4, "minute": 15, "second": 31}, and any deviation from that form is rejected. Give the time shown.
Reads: {"hour": 1, "minute": 51, "second": 26}
